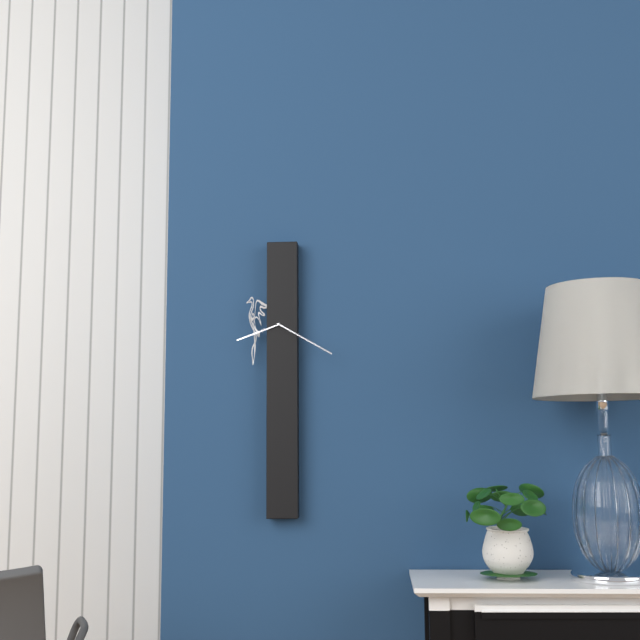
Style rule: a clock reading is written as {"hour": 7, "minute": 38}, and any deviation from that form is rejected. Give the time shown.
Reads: {"hour": 8, "minute": 20}
